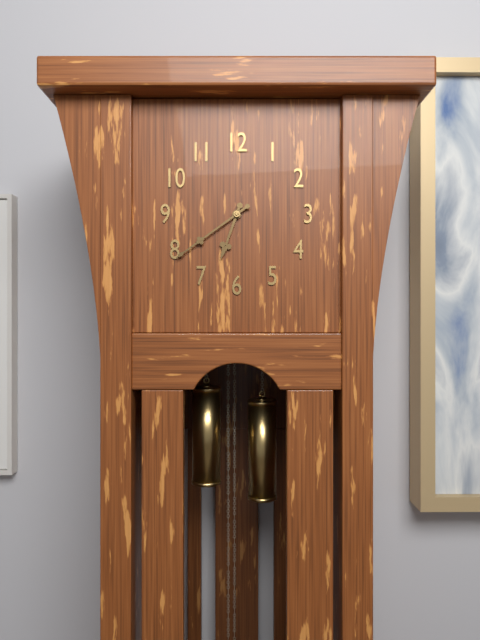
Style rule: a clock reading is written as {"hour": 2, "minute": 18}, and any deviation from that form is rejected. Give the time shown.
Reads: {"hour": 6, "minute": 39}
